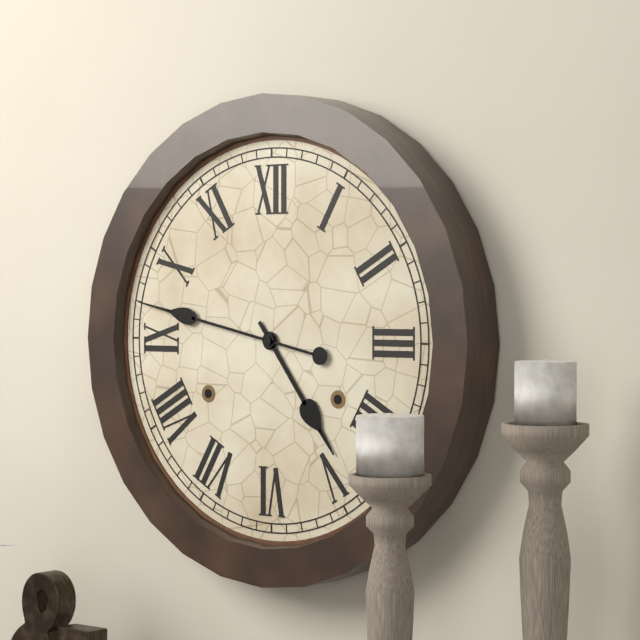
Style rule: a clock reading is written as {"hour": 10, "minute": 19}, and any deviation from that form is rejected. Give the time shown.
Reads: {"hour": 4, "minute": 47}
